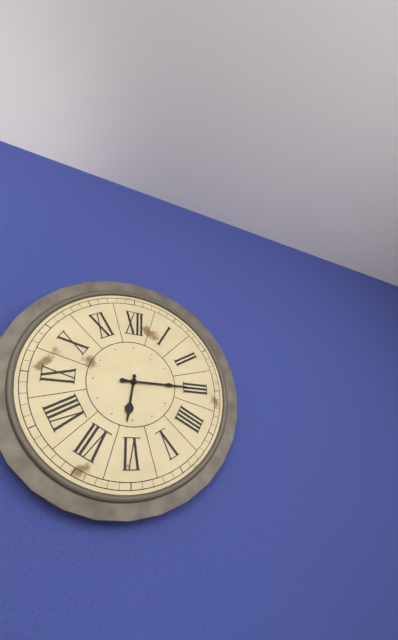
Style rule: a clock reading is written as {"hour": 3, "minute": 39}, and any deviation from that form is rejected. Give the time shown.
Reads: {"hour": 6, "minute": 15}
